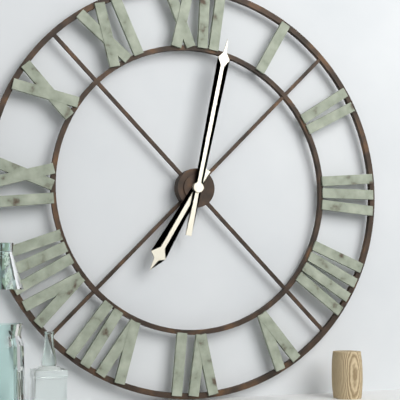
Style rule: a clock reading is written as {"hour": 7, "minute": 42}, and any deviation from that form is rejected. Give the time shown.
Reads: {"hour": 7, "minute": 2}
